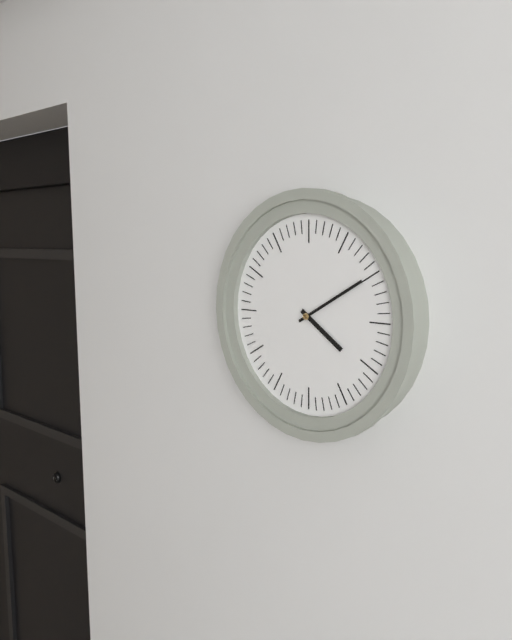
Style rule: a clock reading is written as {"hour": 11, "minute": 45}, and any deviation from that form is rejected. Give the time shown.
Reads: {"hour": 4, "minute": 10}
